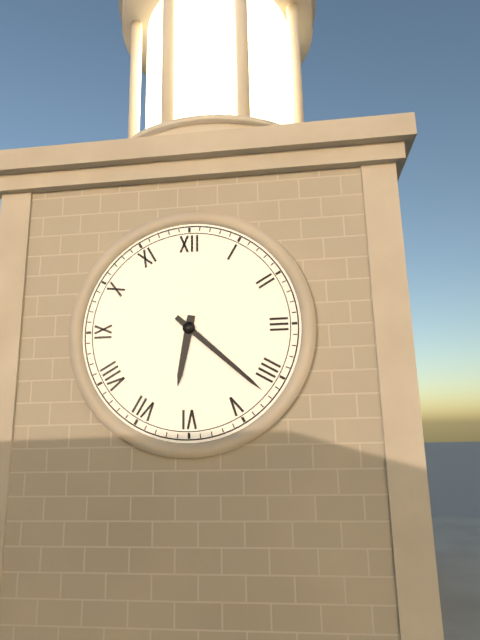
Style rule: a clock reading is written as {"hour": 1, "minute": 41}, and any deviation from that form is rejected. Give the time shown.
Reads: {"hour": 6, "minute": 22}
